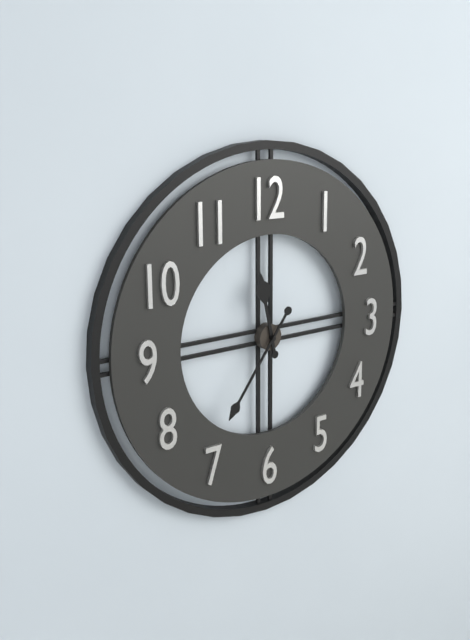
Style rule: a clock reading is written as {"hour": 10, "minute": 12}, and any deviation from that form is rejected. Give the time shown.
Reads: {"hour": 11, "minute": 36}
